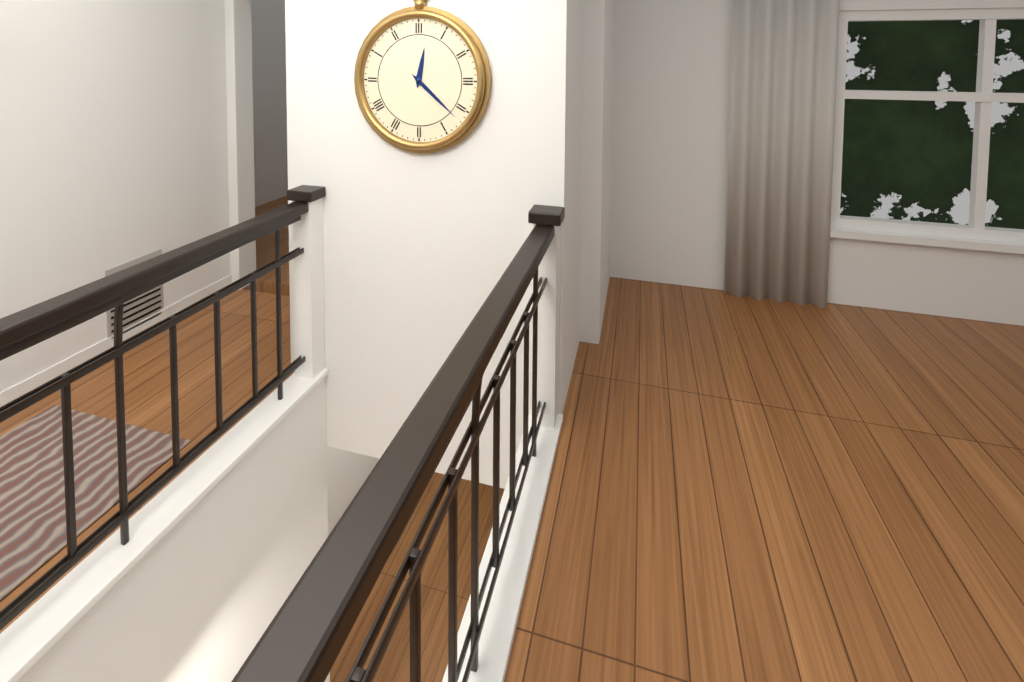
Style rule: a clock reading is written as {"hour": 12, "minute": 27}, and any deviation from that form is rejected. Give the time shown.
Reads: {"hour": 12, "minute": 22}
